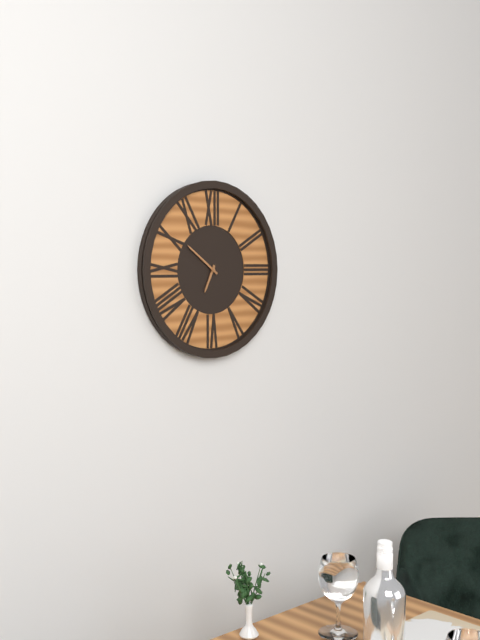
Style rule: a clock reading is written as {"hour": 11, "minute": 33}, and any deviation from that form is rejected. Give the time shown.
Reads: {"hour": 6, "minute": 51}
